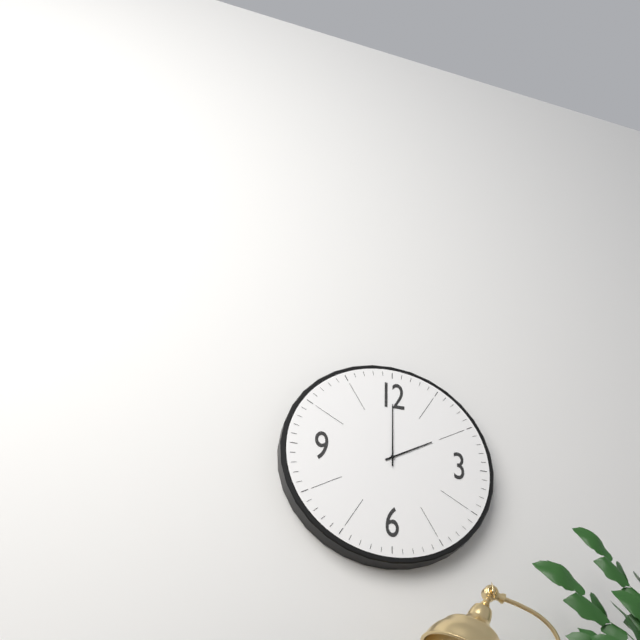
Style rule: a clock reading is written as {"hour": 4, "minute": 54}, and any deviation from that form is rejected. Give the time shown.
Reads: {"hour": 2, "minute": 0}
